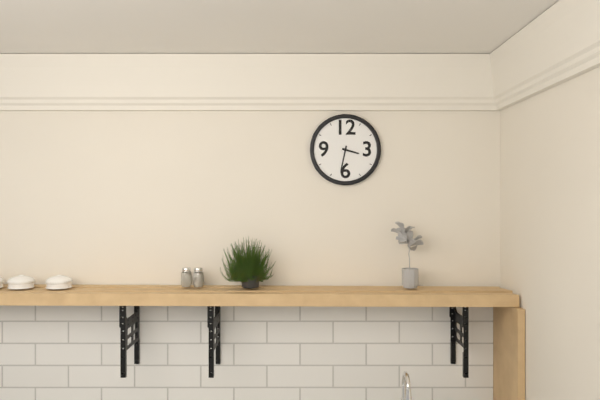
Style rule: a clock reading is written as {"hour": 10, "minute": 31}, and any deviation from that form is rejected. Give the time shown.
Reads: {"hour": 3, "minute": 32}
